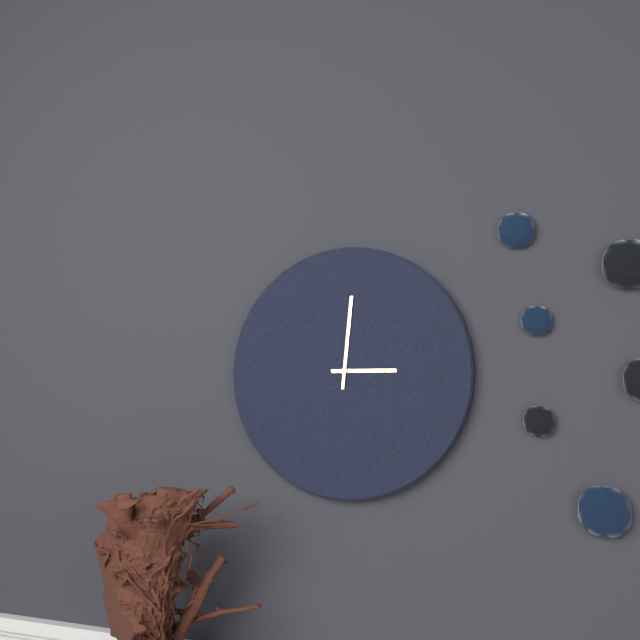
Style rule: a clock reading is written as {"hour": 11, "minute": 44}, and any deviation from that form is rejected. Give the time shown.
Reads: {"hour": 3, "minute": 1}
